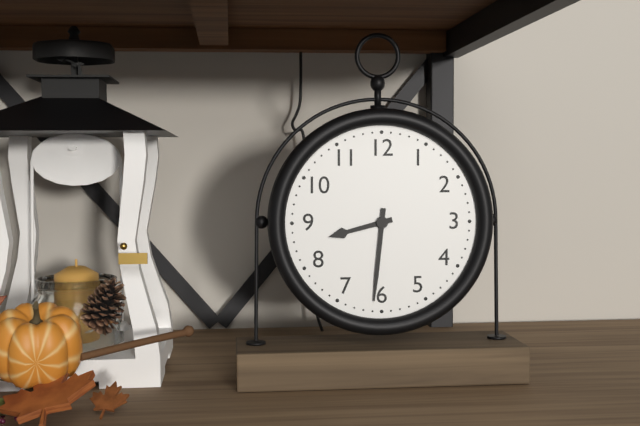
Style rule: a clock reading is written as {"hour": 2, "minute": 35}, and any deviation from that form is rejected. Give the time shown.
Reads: {"hour": 8, "minute": 31}
